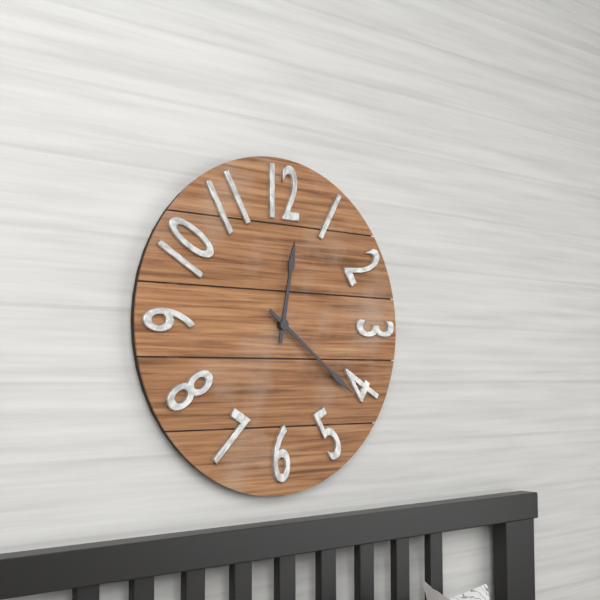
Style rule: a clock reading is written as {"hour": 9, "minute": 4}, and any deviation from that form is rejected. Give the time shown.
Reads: {"hour": 12, "minute": 21}
